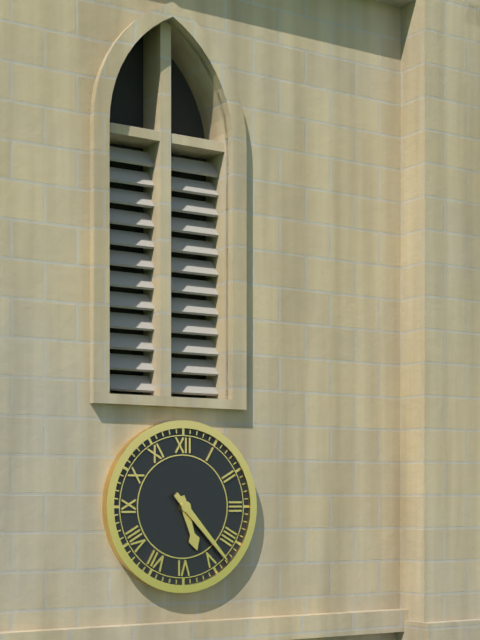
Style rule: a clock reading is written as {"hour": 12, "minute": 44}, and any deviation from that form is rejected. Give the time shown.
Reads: {"hour": 5, "minute": 23}
